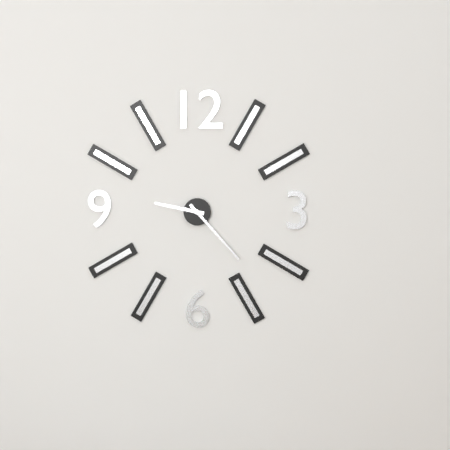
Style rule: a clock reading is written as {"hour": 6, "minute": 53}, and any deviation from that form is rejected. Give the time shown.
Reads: {"hour": 9, "minute": 23}
